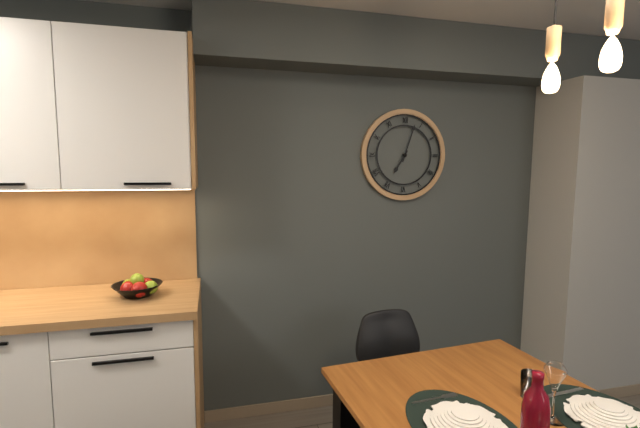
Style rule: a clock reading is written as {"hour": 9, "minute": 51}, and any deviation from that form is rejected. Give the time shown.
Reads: {"hour": 7, "minute": 3}
